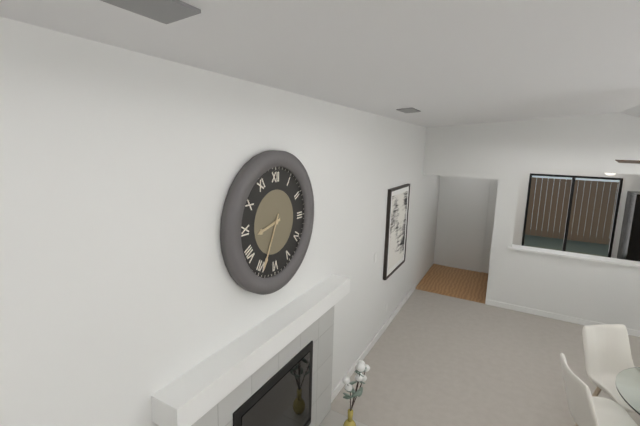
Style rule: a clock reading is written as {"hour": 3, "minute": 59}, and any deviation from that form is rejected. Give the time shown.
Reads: {"hour": 8, "minute": 34}
